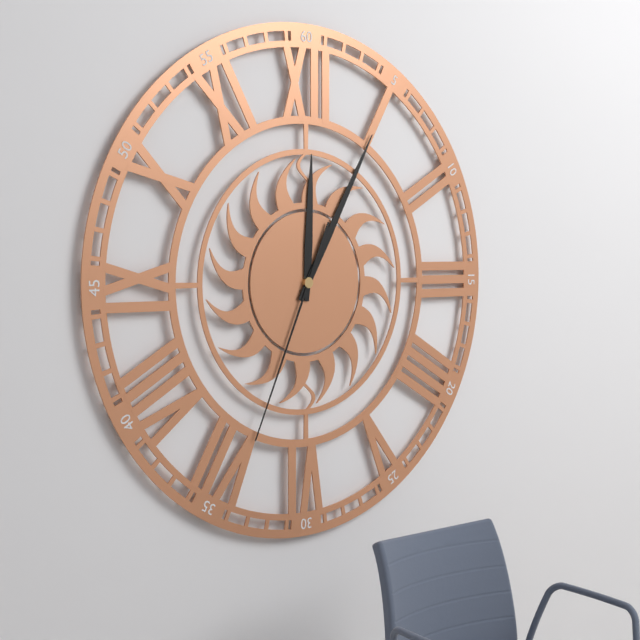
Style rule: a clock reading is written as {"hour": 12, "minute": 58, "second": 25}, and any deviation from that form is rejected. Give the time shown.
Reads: {"hour": 12, "minute": 5, "second": 34}
